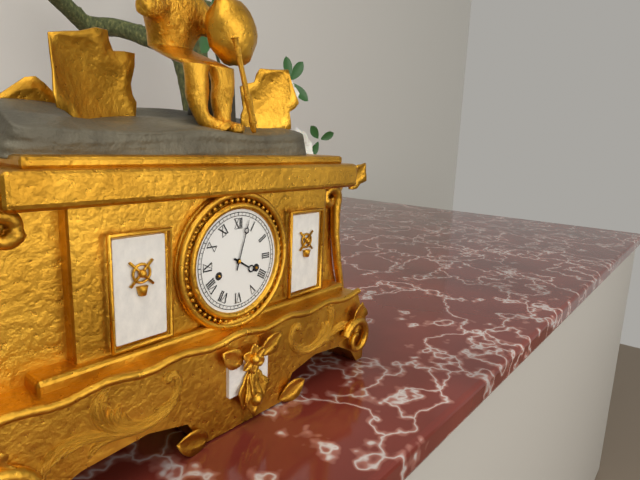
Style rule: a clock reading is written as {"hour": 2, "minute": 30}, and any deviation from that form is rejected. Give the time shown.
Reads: {"hour": 4, "minute": 3}
